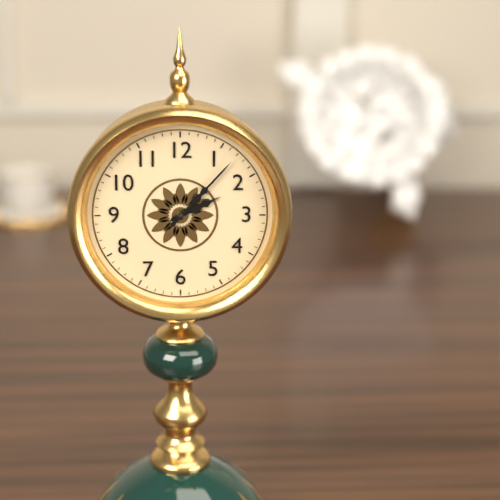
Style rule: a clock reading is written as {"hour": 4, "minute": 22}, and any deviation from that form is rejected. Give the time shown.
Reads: {"hour": 2, "minute": 7}
